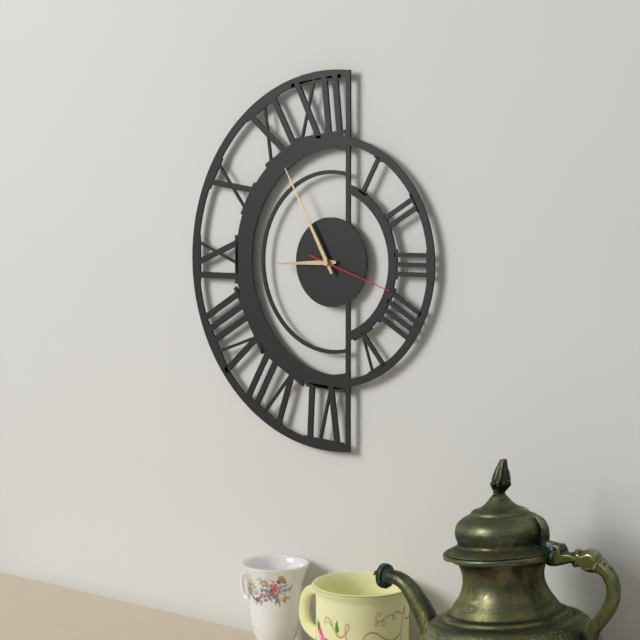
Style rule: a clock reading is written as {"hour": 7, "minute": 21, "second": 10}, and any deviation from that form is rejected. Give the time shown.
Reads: {"hour": 8, "minute": 55, "second": 18}
